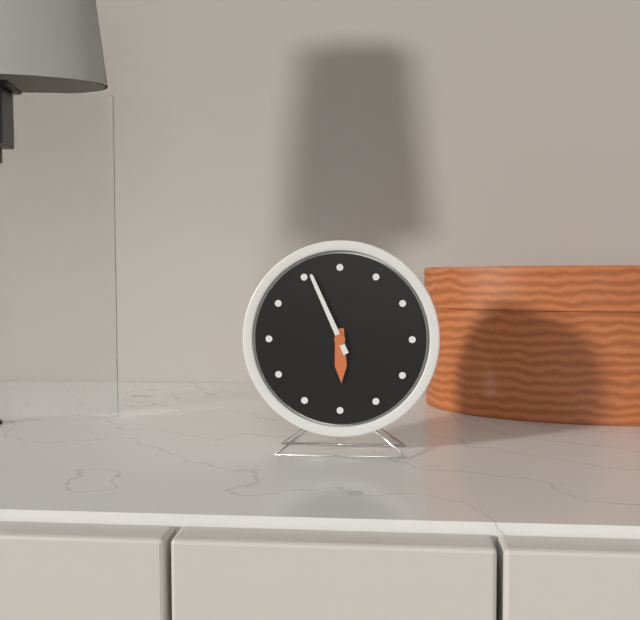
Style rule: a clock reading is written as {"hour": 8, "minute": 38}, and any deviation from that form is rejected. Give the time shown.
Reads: {"hour": 5, "minute": 56}
